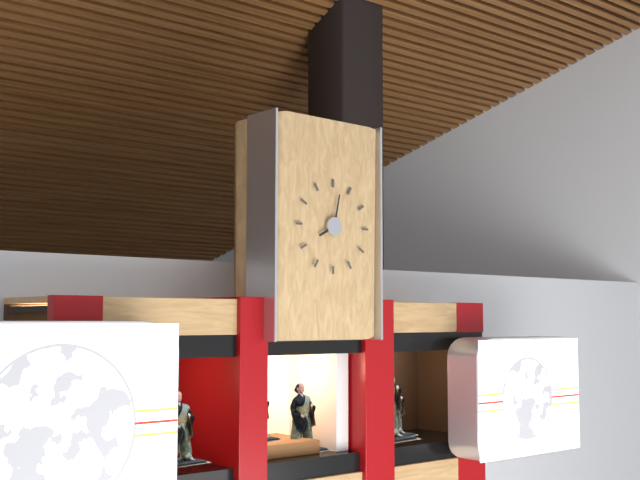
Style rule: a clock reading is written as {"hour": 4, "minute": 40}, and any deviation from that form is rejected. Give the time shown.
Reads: {"hour": 8, "minute": 2}
